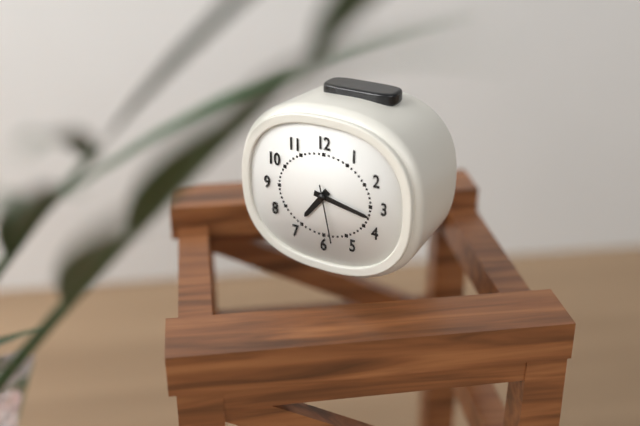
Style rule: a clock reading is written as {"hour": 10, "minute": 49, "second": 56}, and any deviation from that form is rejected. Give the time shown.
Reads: {"hour": 7, "minute": 17, "second": 28}
